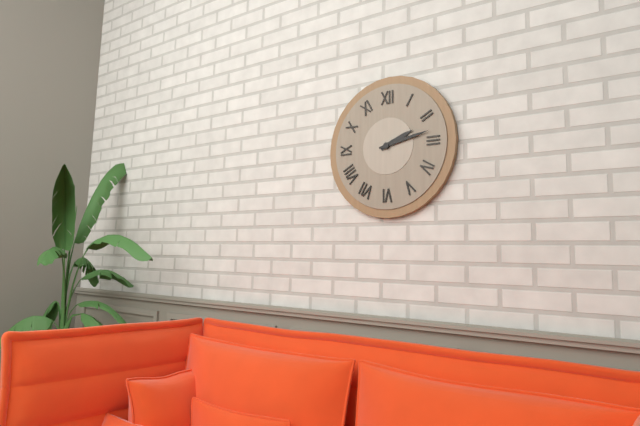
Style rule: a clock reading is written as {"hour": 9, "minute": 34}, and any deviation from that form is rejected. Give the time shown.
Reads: {"hour": 2, "minute": 13}
